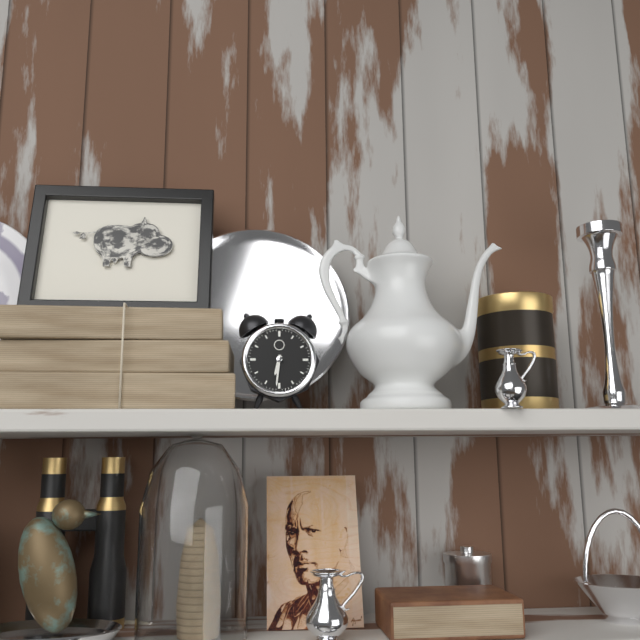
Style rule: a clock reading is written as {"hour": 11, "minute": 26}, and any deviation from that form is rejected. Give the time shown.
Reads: {"hour": 6, "minute": 31}
